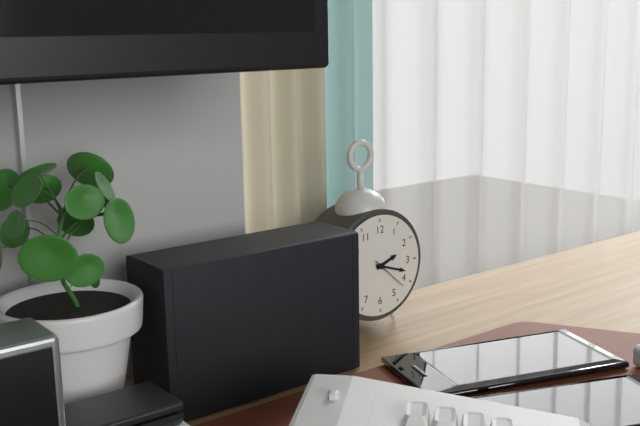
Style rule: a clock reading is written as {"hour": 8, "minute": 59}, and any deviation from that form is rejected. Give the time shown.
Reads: {"hour": 2, "minute": 18}
